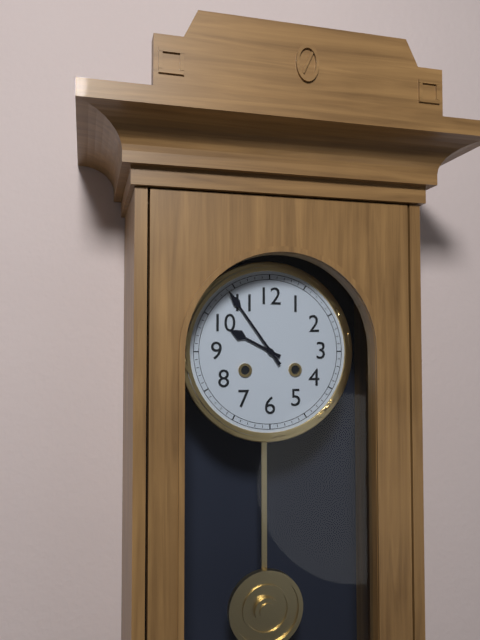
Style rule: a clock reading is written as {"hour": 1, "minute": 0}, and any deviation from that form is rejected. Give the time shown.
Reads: {"hour": 9, "minute": 54}
